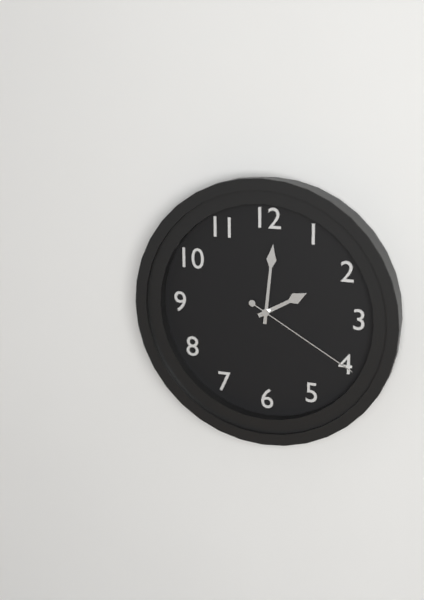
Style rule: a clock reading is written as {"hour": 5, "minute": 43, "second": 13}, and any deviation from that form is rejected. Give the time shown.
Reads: {"hour": 2, "minute": 1, "second": 20}
